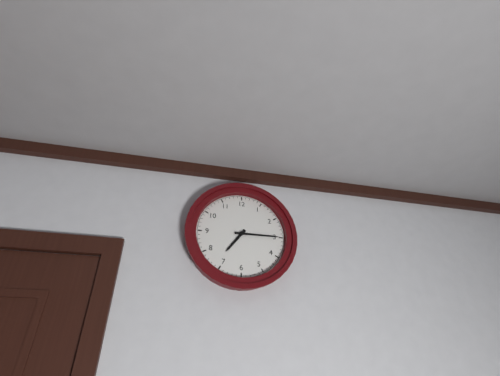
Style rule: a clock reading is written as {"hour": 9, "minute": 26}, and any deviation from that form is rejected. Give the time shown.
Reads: {"hour": 7, "minute": 15}
